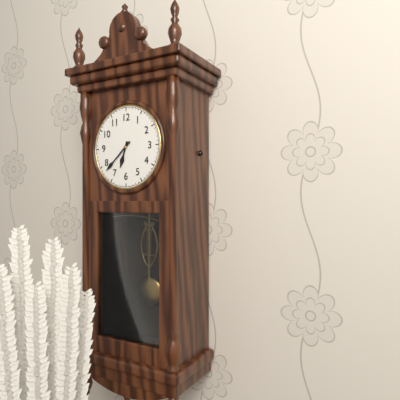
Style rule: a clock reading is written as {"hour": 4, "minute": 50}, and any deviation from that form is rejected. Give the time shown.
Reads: {"hour": 6, "minute": 38}
